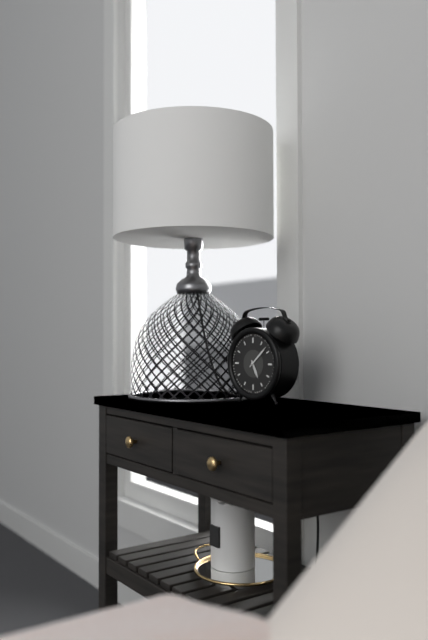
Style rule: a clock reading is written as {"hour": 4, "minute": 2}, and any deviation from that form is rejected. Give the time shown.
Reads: {"hour": 5, "minute": 8}
